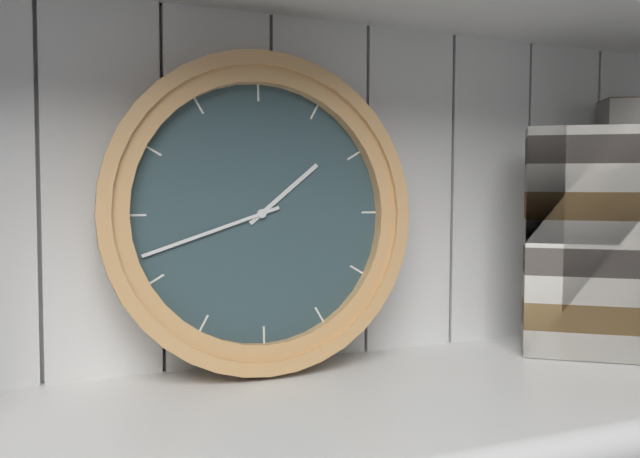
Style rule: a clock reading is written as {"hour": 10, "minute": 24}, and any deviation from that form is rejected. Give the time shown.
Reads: {"hour": 1, "minute": 42}
